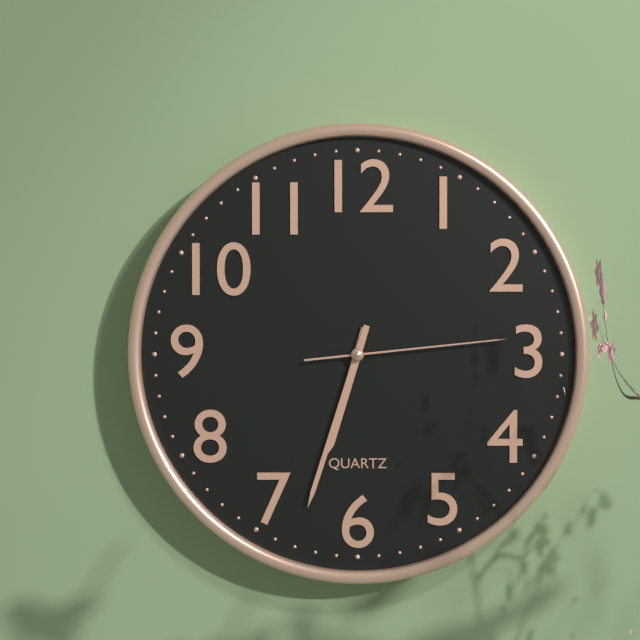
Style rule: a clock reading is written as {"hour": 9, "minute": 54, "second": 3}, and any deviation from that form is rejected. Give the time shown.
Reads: {"hour": 6, "minute": 33, "second": 14}
